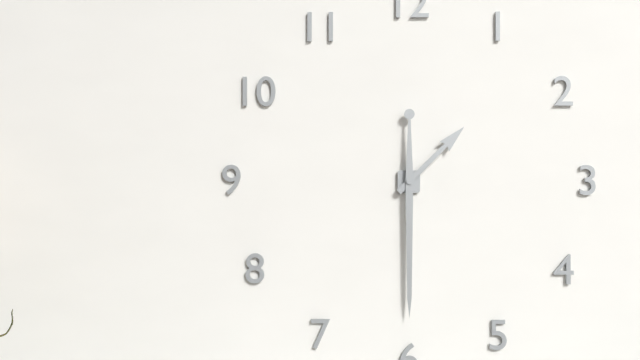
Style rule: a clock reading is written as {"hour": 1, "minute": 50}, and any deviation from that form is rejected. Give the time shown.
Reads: {"hour": 1, "minute": 30}
